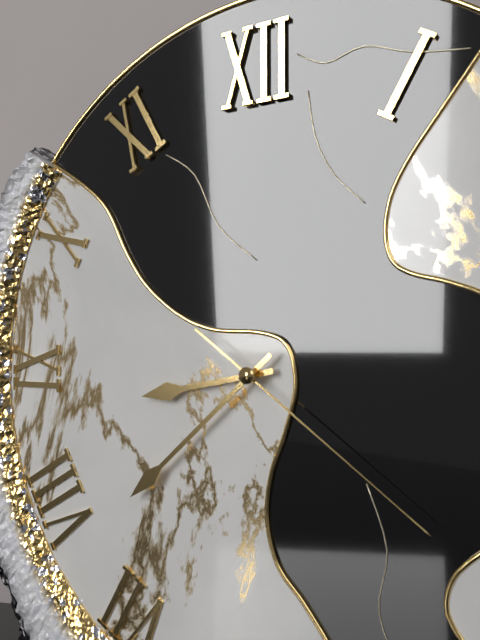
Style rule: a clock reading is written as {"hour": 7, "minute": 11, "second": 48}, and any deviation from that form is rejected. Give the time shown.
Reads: {"hour": 8, "minute": 38, "second": 21}
